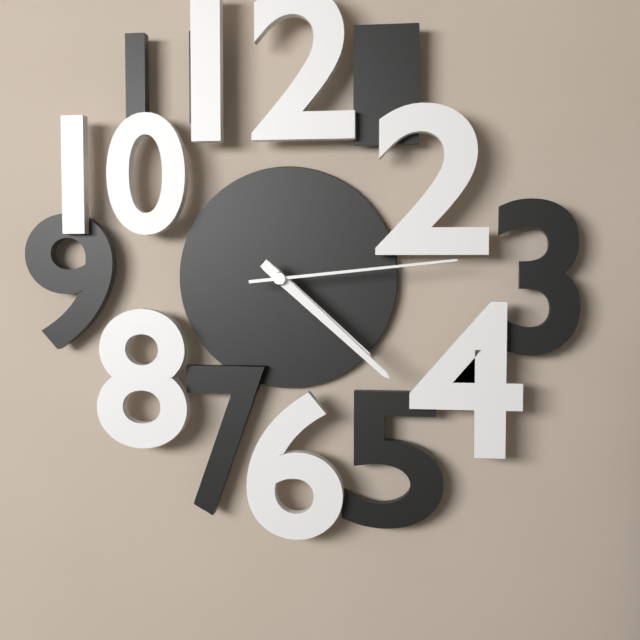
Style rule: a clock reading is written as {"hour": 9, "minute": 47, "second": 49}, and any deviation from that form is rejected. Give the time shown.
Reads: {"hour": 4, "minute": 22, "second": 14}
